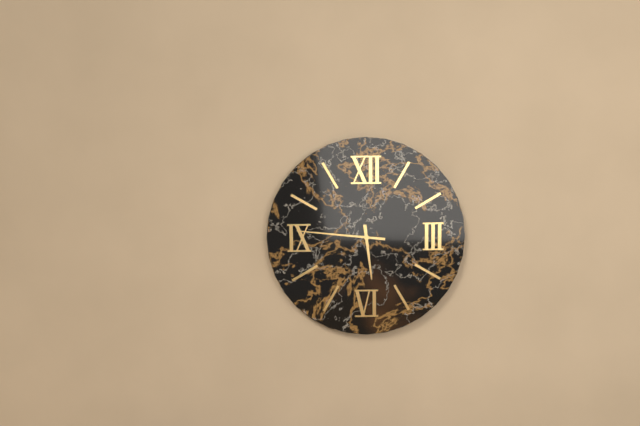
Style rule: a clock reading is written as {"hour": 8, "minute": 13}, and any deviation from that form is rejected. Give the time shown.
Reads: {"hour": 5, "minute": 46}
